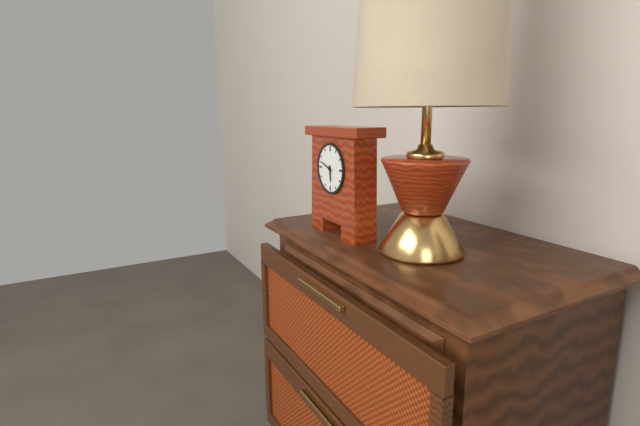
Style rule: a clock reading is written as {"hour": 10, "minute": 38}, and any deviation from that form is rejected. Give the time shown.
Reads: {"hour": 5, "minute": 48}
